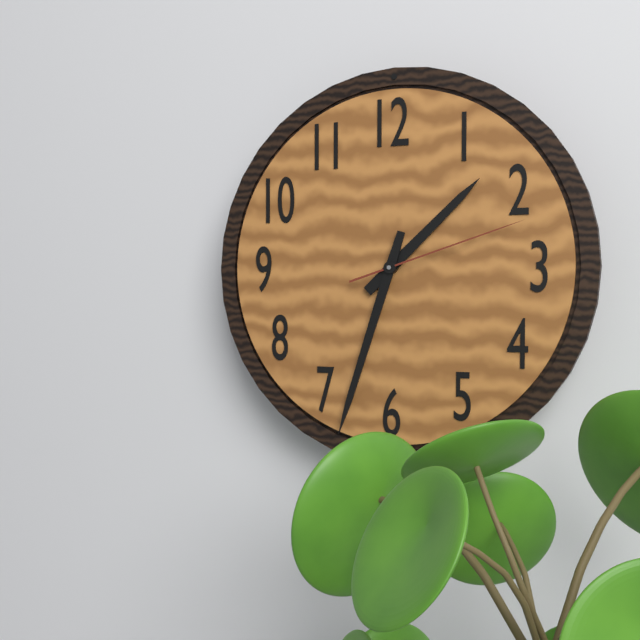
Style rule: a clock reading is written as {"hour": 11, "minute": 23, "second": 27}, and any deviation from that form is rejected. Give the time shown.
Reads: {"hour": 1, "minute": 33, "second": 12}
